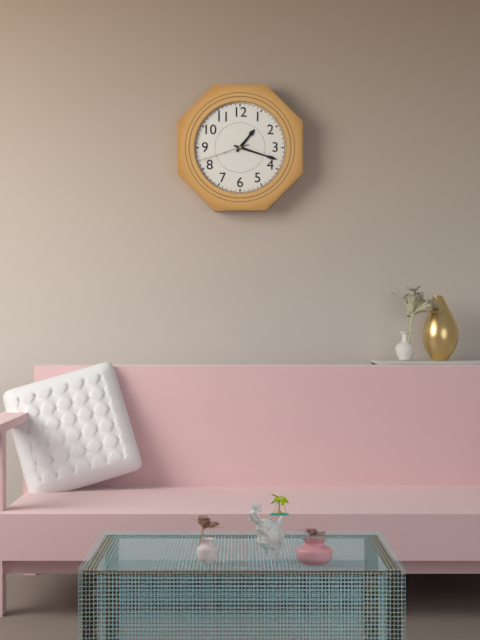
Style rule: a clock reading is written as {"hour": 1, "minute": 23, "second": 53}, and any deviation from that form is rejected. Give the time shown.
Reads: {"hour": 1, "minute": 18, "second": 42}
